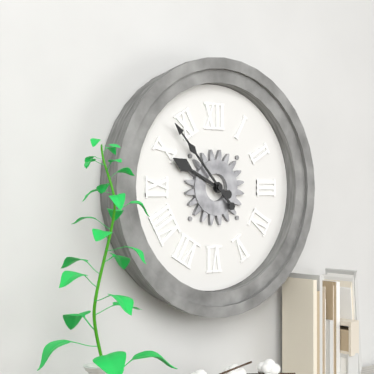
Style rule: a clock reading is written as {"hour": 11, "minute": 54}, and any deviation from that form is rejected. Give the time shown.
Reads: {"hour": 9, "minute": 53}
